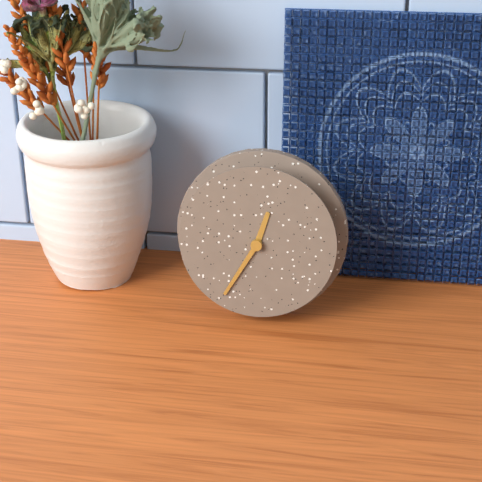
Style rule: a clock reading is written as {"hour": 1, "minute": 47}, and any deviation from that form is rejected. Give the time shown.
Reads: {"hour": 12, "minute": 35}
